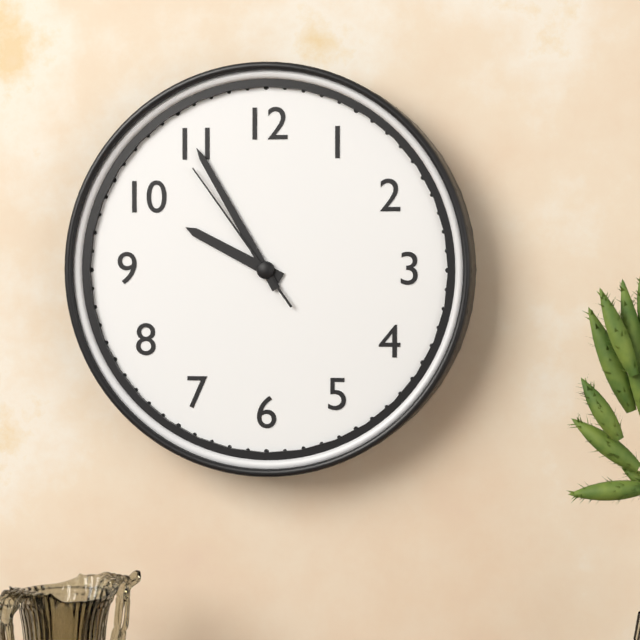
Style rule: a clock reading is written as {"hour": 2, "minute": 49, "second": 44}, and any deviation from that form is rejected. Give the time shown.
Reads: {"hour": 9, "minute": 55, "second": 54}
